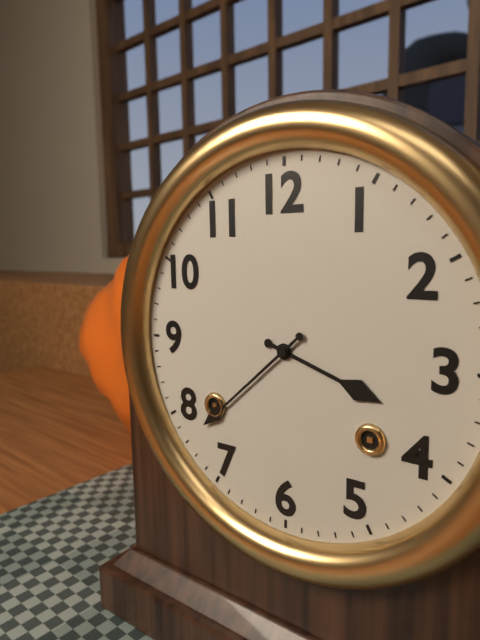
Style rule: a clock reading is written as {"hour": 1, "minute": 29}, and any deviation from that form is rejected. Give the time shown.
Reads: {"hour": 3, "minute": 38}
